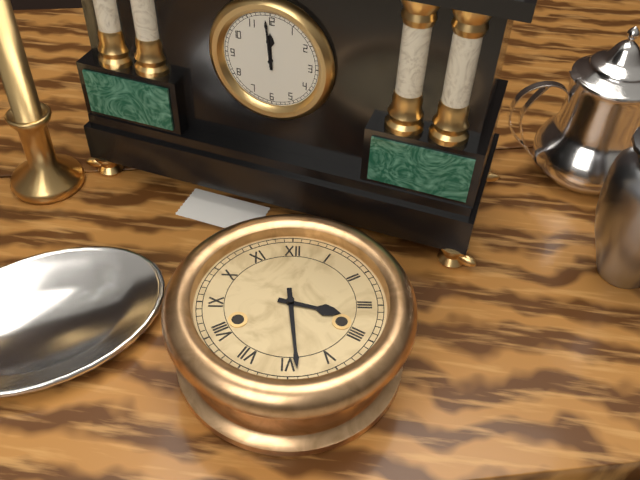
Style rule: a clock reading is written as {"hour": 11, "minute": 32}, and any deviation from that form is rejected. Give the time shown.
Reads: {"hour": 3, "minute": 29}
